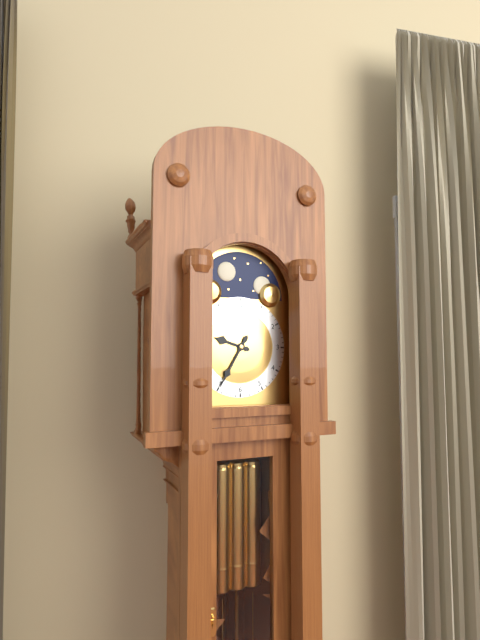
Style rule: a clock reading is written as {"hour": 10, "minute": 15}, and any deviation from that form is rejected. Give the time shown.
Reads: {"hour": 9, "minute": 35}
